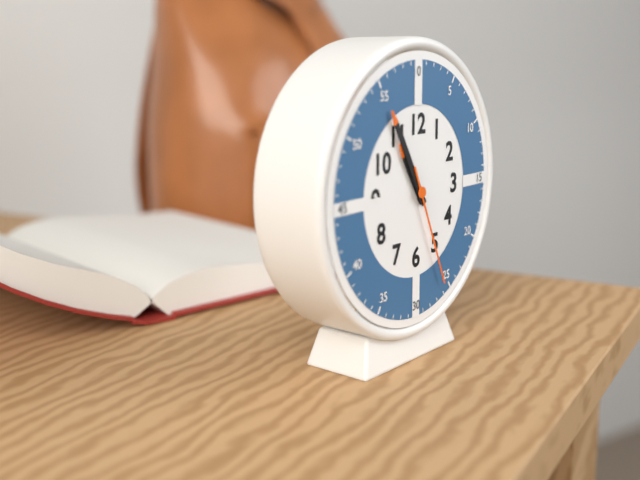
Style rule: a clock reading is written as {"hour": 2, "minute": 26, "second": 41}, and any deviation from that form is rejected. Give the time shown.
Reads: {"hour": 10, "minute": 55, "second": 26}
